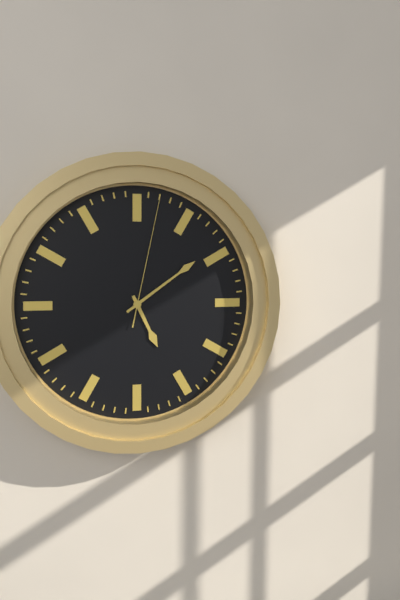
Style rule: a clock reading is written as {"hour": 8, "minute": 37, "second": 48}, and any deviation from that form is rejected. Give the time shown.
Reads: {"hour": 5, "minute": 9, "second": 2}
